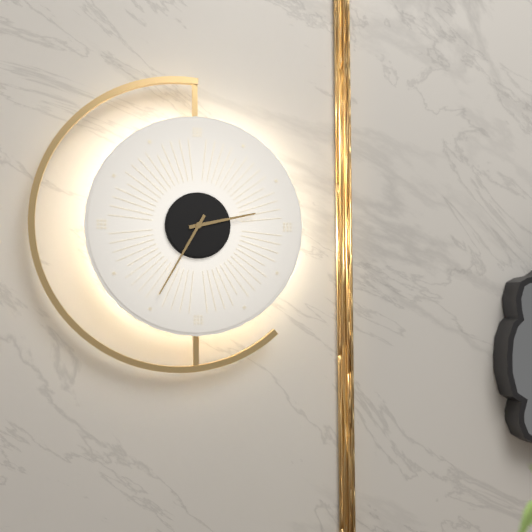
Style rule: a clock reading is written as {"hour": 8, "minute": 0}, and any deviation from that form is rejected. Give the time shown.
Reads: {"hour": 2, "minute": 35}
